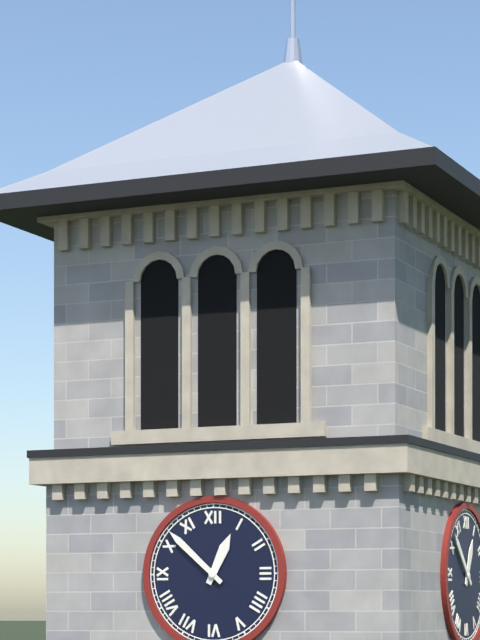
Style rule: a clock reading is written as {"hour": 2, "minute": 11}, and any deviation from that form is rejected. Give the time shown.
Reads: {"hour": 12, "minute": 52}
